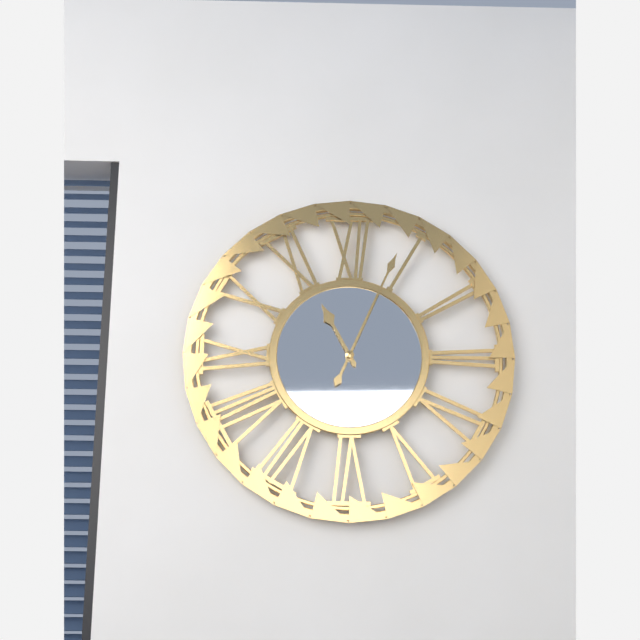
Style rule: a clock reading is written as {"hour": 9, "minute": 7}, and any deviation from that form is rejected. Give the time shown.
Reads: {"hour": 11, "minute": 4}
